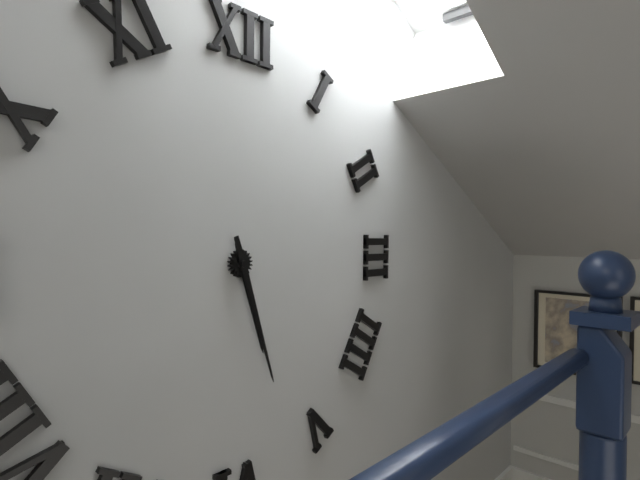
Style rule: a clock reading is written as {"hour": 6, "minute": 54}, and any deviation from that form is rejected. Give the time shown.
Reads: {"hour": 5, "minute": 27}
